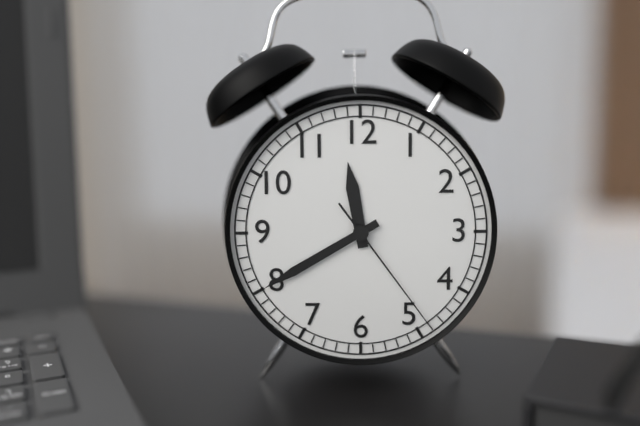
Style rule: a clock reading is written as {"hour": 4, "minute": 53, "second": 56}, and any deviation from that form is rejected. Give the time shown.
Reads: {"hour": 11, "minute": 40, "second": 24}
